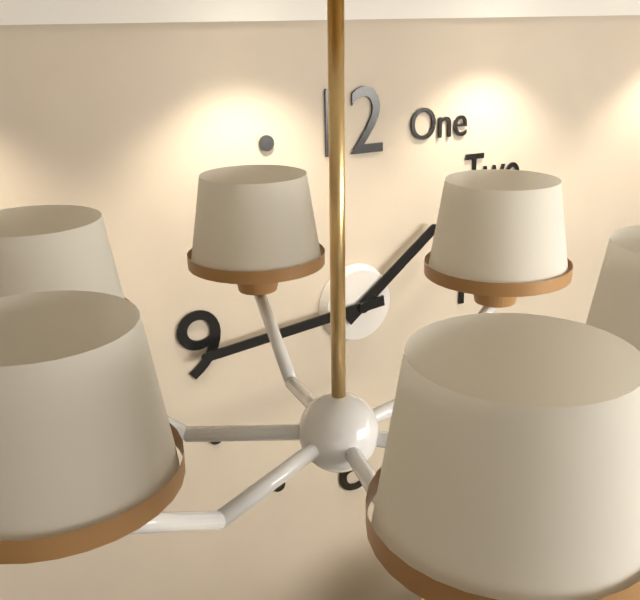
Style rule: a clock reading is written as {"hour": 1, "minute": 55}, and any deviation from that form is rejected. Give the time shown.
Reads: {"hour": 1, "minute": 44}
